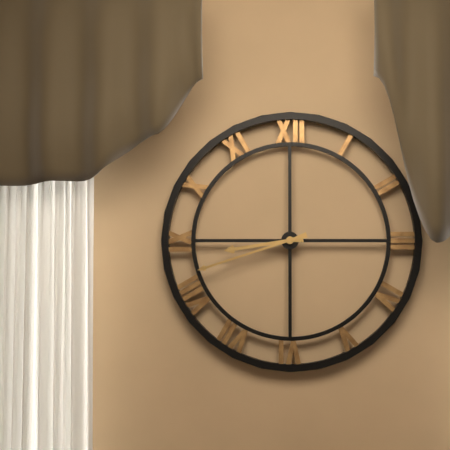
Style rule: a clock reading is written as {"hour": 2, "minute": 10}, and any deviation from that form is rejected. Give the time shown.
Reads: {"hour": 8, "minute": 42}
